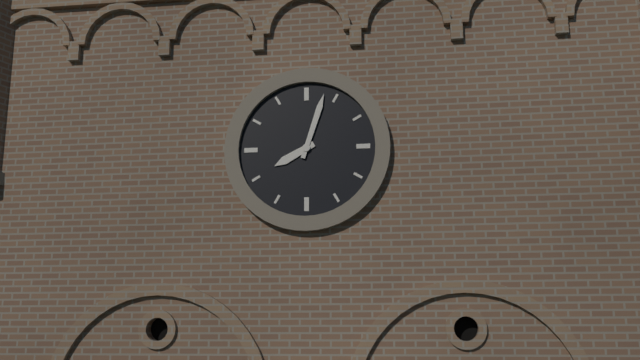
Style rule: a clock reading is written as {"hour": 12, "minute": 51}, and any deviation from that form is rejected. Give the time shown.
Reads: {"hour": 8, "minute": 3}
